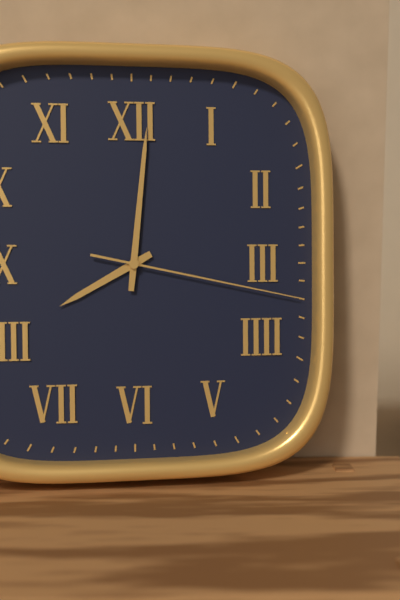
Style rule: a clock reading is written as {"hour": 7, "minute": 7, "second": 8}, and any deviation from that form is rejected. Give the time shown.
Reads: {"hour": 8, "minute": 1, "second": 17}
